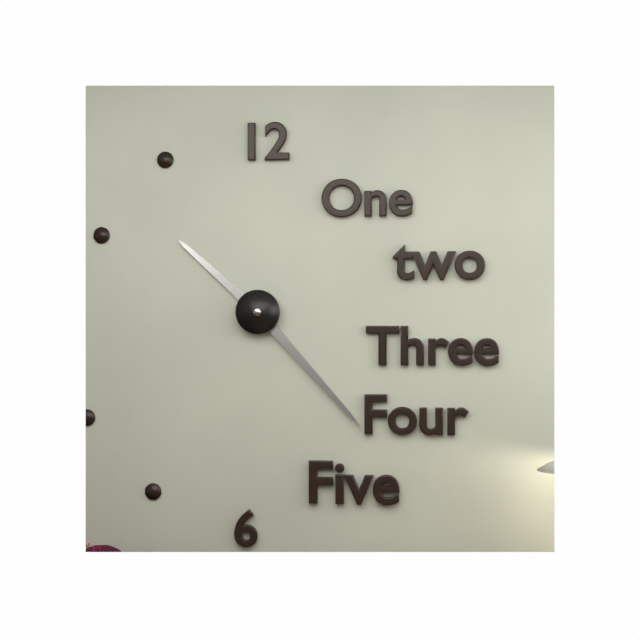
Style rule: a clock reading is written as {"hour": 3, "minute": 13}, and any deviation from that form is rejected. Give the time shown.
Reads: {"hour": 10, "minute": 23}
